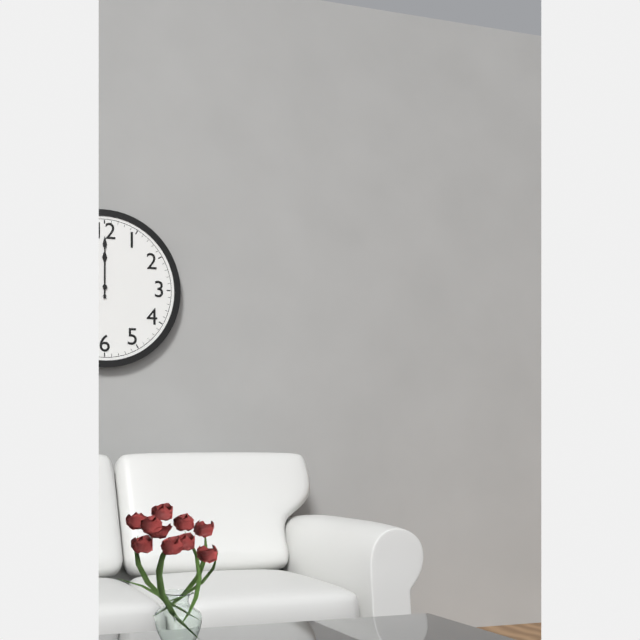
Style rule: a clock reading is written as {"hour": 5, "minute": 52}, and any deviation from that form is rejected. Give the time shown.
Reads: {"hour": 12, "minute": 0}
